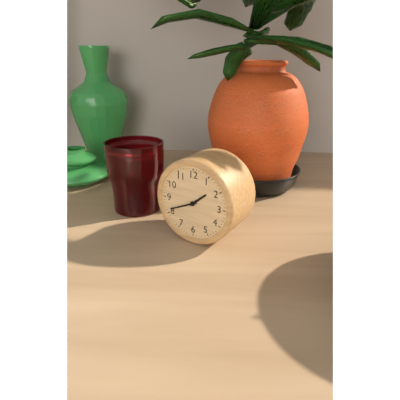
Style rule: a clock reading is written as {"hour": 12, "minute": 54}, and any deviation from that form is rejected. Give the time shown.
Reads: {"hour": 1, "minute": 41}
